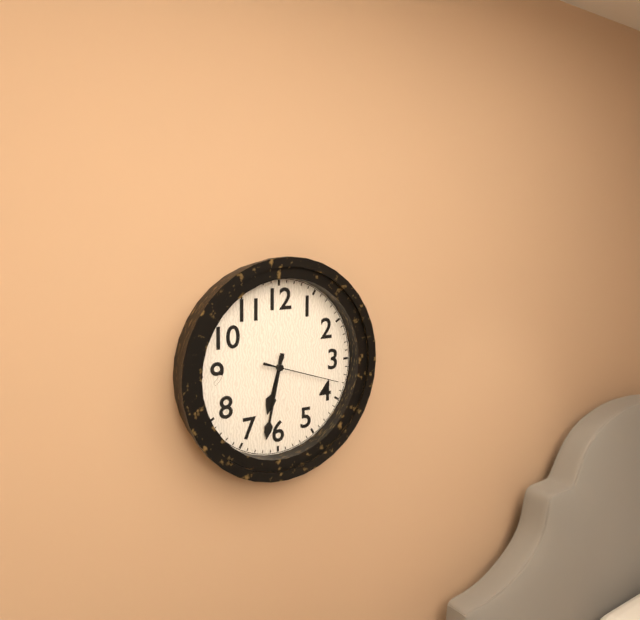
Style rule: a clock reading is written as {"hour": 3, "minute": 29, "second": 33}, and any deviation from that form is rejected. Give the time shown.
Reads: {"hour": 6, "minute": 32, "second": 18}
